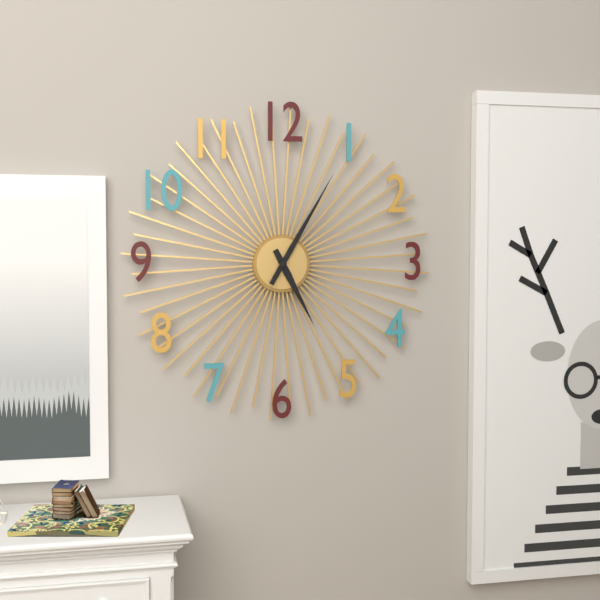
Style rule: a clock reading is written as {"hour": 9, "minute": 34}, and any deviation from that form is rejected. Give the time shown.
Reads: {"hour": 5, "minute": 5}
